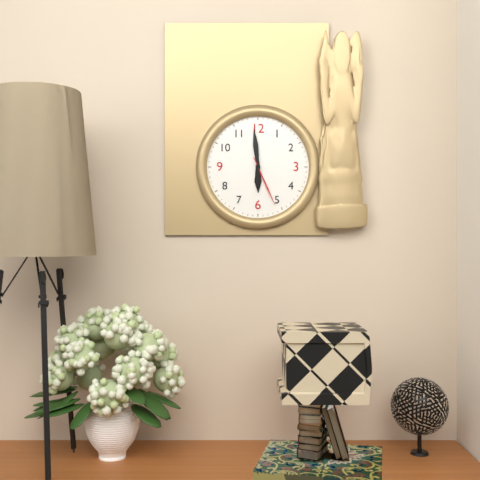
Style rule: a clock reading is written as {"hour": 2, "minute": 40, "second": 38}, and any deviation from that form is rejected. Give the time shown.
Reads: {"hour": 5, "minute": 59, "second": 26}
